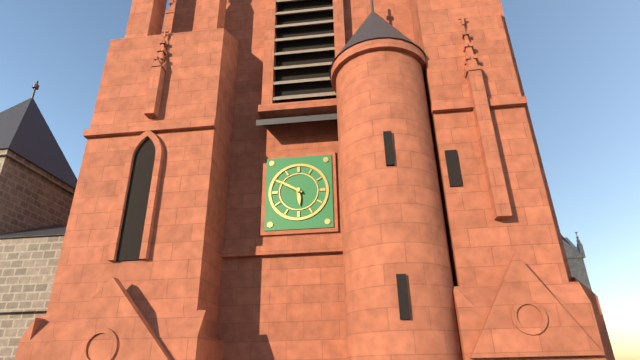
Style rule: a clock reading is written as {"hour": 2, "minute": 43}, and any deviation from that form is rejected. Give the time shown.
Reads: {"hour": 5, "minute": 50}
